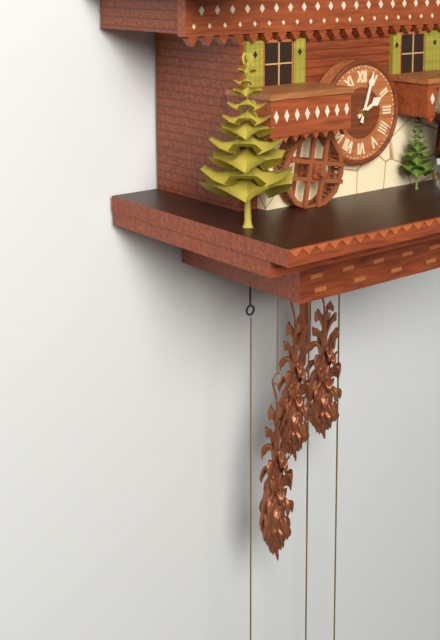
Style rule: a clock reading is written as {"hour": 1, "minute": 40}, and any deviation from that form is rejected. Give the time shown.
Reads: {"hour": 2, "minute": 3}
